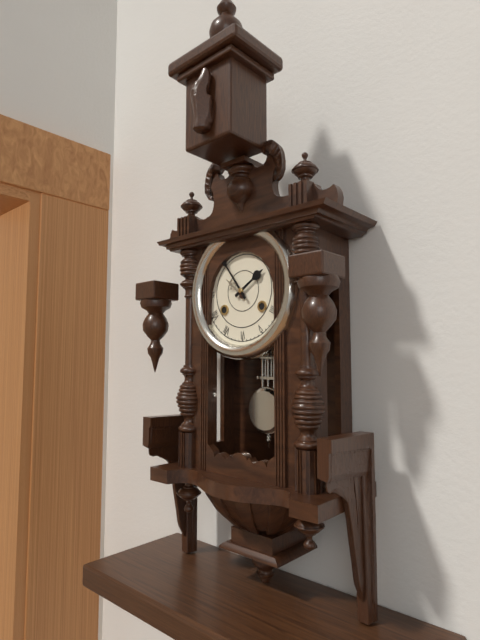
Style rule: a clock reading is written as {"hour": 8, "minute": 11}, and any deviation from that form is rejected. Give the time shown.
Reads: {"hour": 1, "minute": 54}
